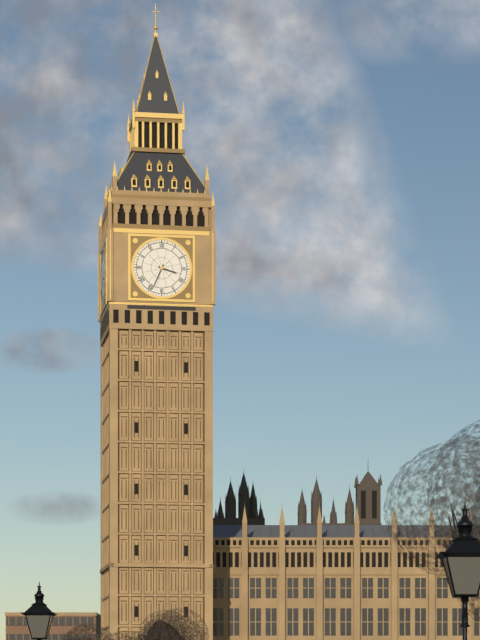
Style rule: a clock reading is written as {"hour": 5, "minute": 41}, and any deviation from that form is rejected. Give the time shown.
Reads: {"hour": 3, "minute": 34}
